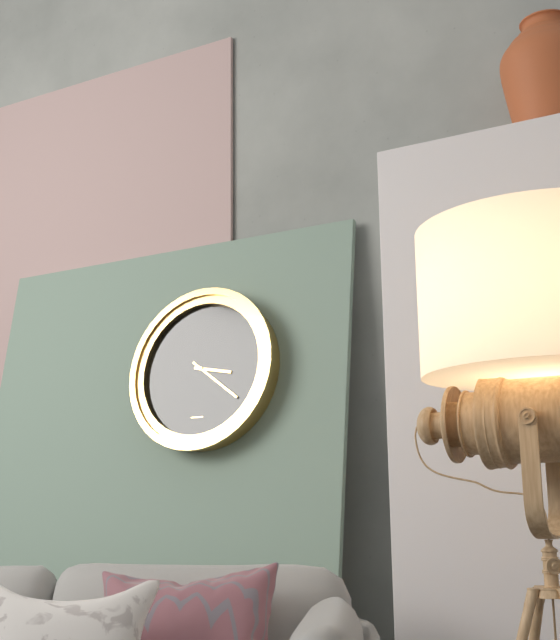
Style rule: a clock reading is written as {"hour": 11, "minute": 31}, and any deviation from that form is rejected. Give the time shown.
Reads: {"hour": 3, "minute": 21}
